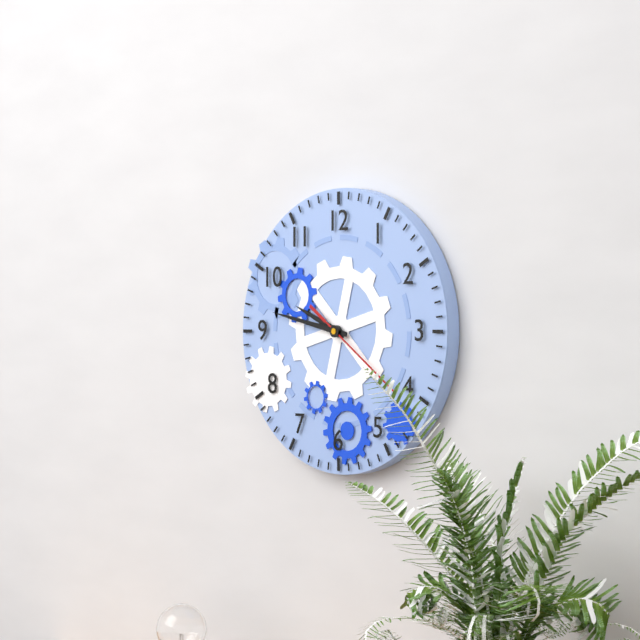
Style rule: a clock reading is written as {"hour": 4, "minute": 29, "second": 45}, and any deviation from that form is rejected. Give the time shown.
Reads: {"hour": 9, "minute": 47, "second": 21}
